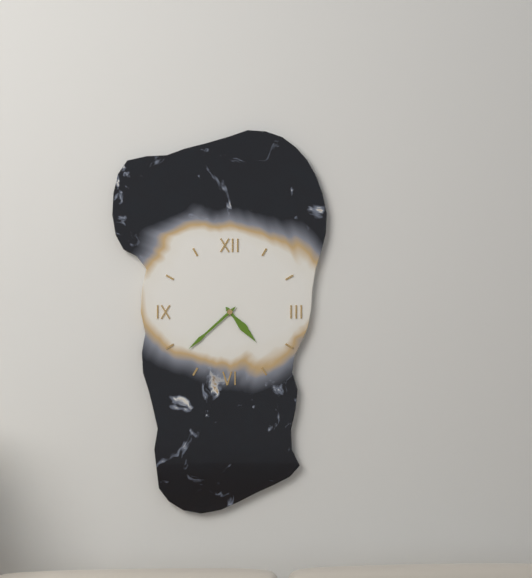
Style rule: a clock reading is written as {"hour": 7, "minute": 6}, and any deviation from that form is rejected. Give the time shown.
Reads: {"hour": 4, "minute": 38}
